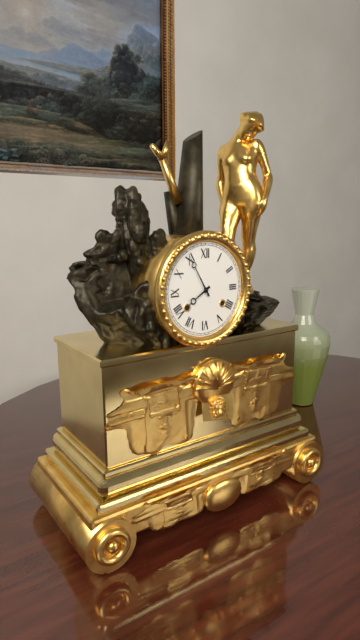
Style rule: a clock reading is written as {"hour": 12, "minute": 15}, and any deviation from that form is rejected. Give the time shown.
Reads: {"hour": 7, "minute": 55}
